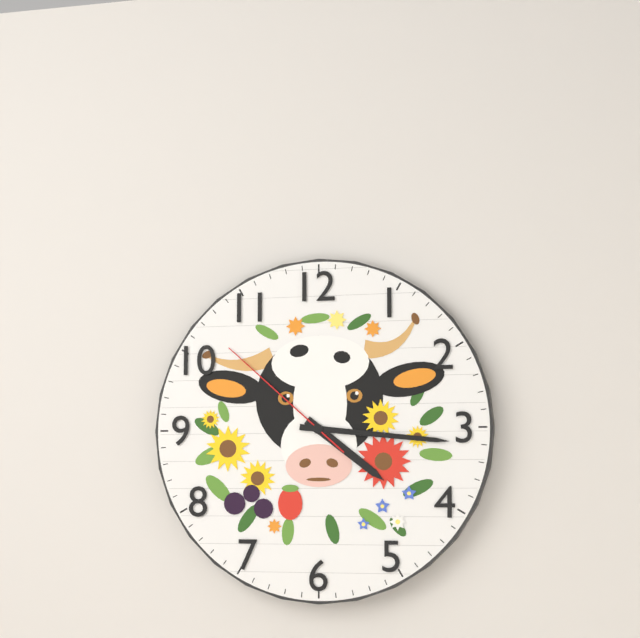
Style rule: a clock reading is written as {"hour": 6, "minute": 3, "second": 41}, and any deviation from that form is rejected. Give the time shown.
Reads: {"hour": 4, "minute": 16, "second": 52}
